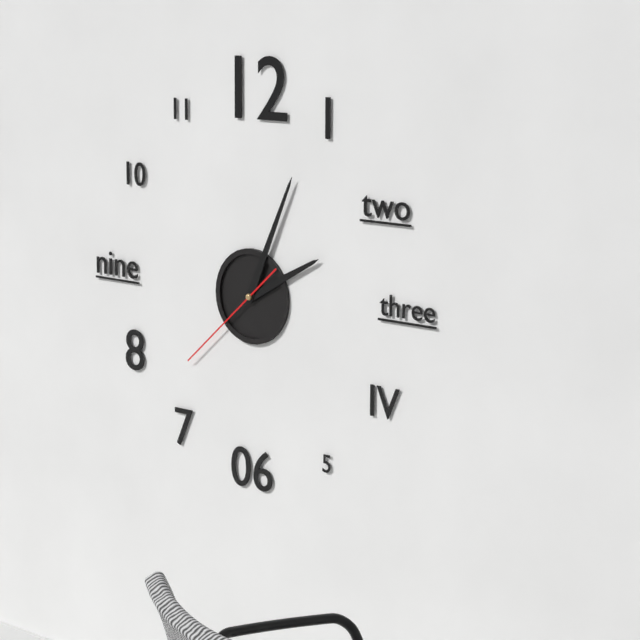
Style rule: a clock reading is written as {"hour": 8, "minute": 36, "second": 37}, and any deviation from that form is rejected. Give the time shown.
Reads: {"hour": 2, "minute": 4, "second": 38}
